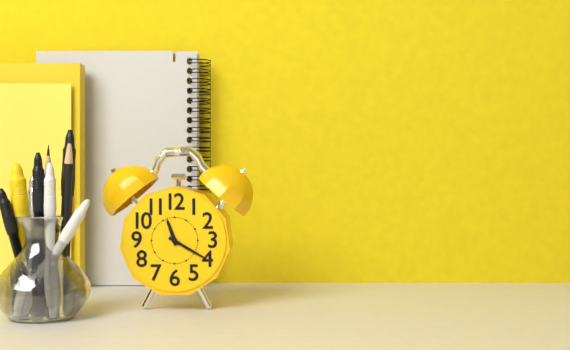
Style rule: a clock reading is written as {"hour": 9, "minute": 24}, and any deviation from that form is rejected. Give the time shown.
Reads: {"hour": 11, "minute": 20}
